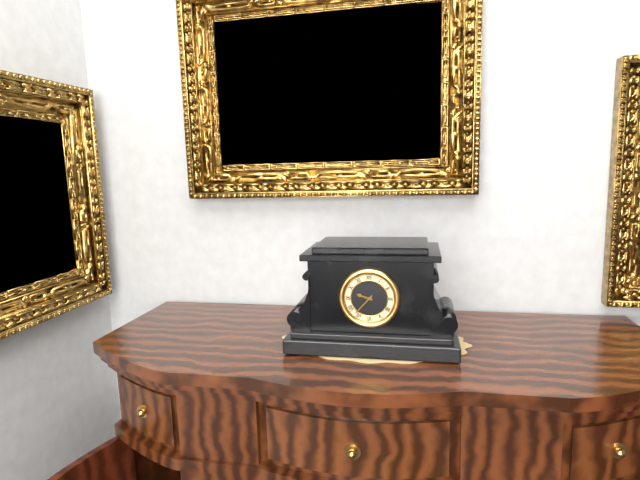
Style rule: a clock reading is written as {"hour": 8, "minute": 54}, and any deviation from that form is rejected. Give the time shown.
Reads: {"hour": 9, "minute": 37}
